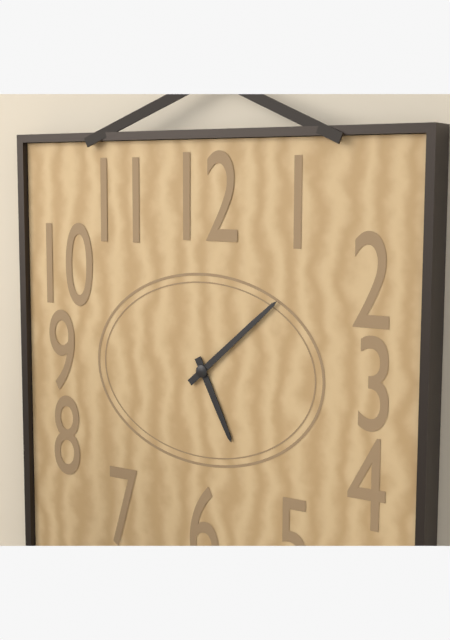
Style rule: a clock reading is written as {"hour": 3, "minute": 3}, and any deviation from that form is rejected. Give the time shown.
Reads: {"hour": 5, "minute": 8}
